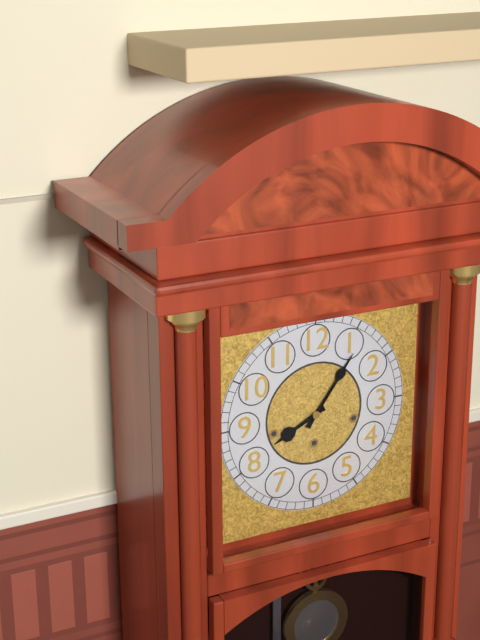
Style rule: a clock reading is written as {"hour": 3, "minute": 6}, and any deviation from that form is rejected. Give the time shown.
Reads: {"hour": 8, "minute": 6}
